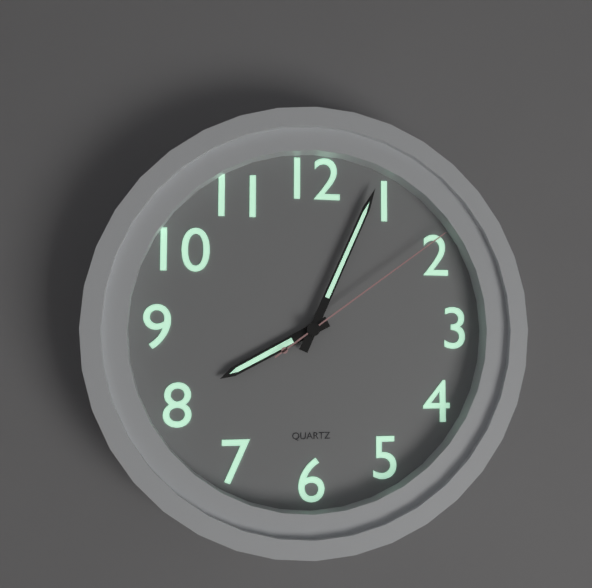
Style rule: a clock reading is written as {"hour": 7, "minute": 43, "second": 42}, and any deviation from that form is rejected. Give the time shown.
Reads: {"hour": 8, "minute": 4, "second": 9}
